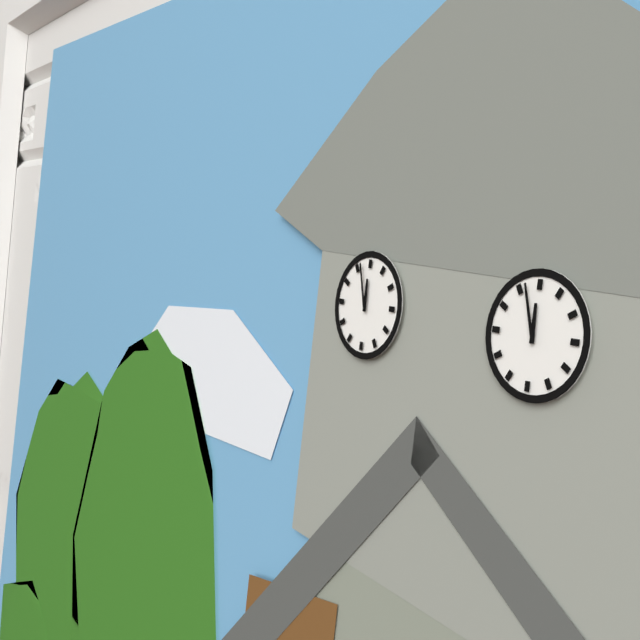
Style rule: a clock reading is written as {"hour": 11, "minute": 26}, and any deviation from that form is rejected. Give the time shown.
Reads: {"hour": 11, "minute": 57}
